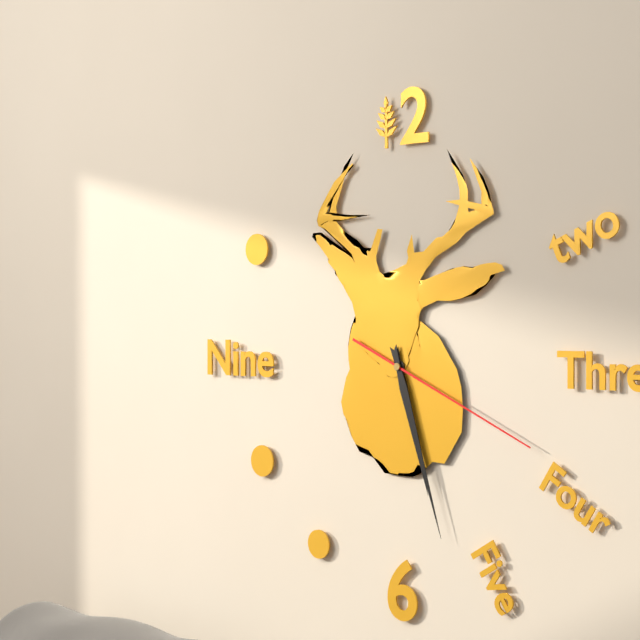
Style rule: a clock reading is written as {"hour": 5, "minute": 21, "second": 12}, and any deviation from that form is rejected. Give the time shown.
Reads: {"hour": 5, "minute": 27, "second": 19}
